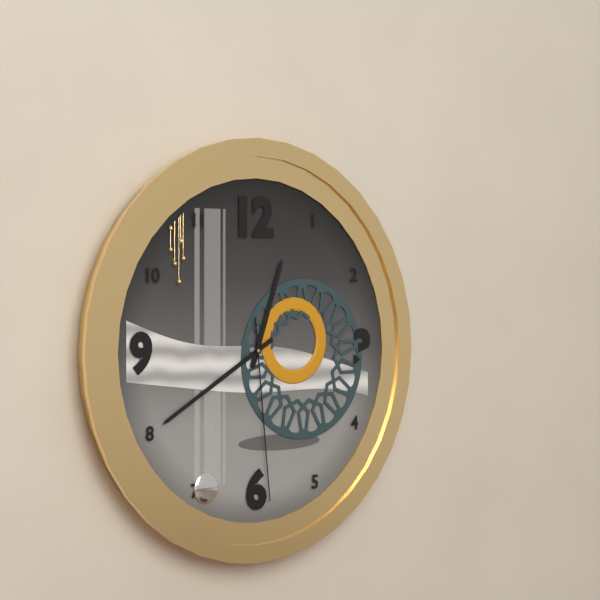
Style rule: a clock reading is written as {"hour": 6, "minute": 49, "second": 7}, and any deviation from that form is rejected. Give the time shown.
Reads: {"hour": 12, "minute": 40, "second": 29}
